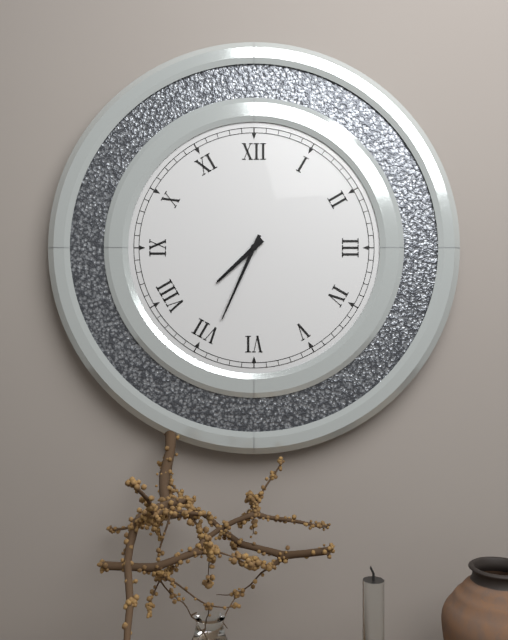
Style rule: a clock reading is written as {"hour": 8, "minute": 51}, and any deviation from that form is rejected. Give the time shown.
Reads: {"hour": 7, "minute": 34}
